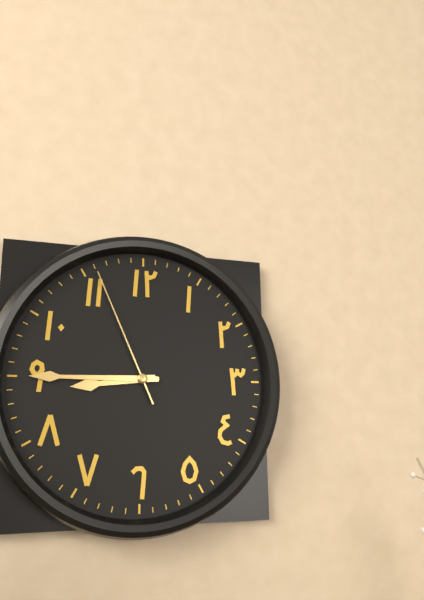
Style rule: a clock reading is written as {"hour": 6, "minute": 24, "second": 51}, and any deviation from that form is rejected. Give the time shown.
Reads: {"hour": 8, "minute": 45, "second": 56}
